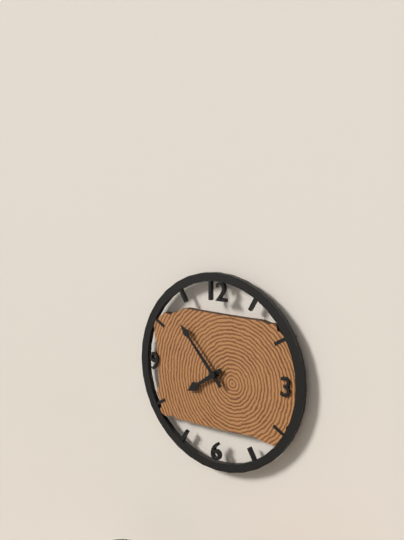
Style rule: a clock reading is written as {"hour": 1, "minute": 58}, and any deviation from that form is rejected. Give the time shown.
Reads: {"hour": 7, "minute": 53}
